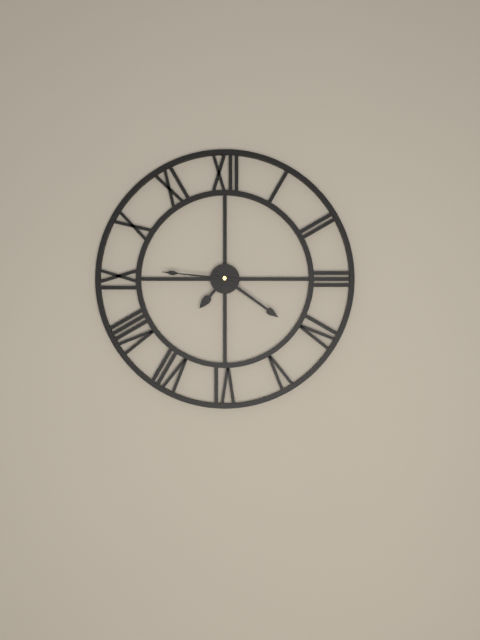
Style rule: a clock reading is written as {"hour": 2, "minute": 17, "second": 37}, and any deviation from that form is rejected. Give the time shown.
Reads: {"hour": 7, "minute": 21, "second": 46}
